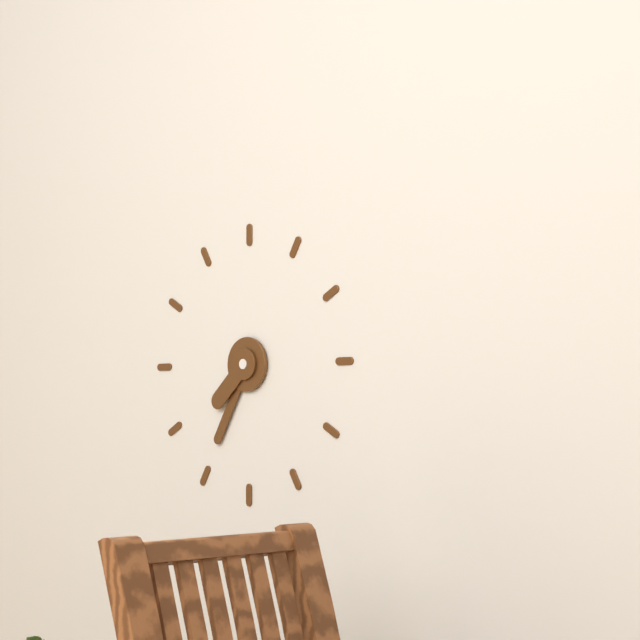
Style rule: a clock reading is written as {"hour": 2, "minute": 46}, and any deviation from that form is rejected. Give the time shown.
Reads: {"hour": 7, "minute": 35}
